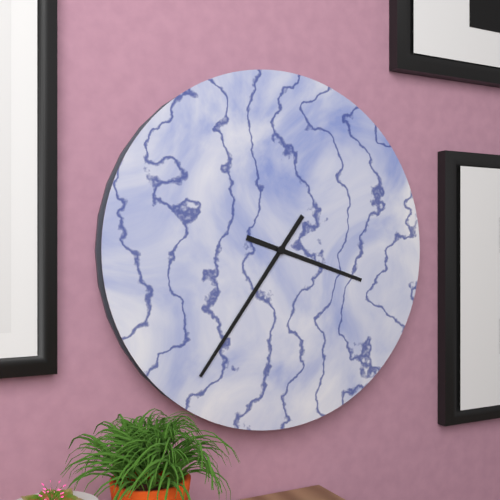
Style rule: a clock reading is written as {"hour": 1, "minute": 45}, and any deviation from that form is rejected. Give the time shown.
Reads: {"hour": 3, "minute": 36}
